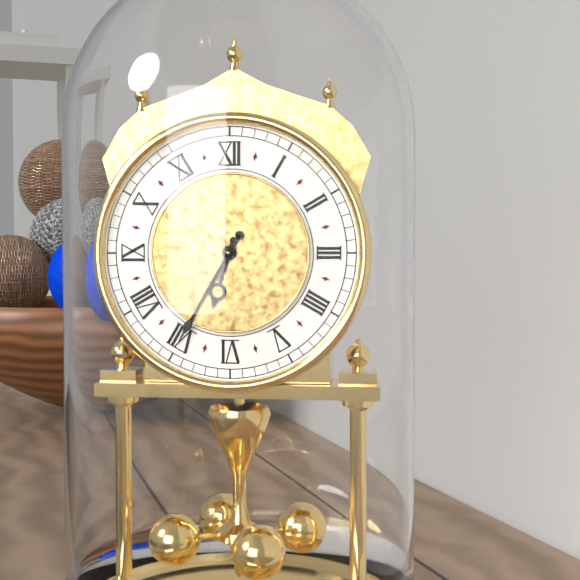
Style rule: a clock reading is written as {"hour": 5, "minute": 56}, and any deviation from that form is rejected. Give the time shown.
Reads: {"hour": 6, "minute": 35}
